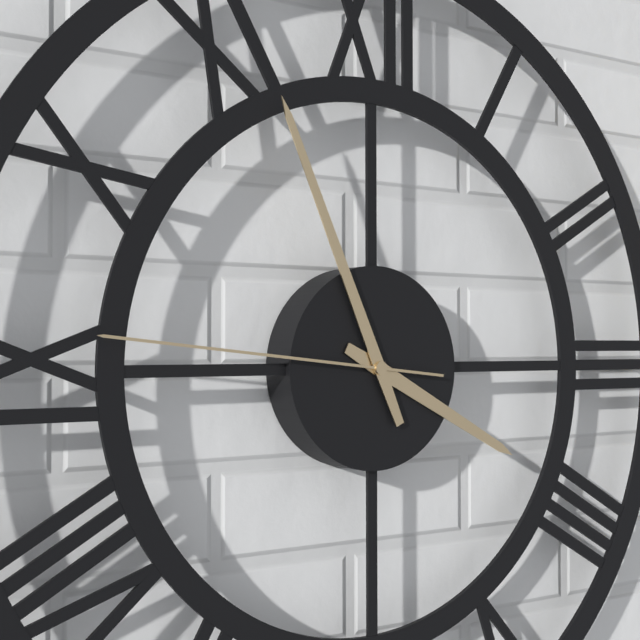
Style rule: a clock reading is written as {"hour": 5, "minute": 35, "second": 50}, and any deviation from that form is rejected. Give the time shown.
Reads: {"hour": 3, "minute": 56, "second": 46}
